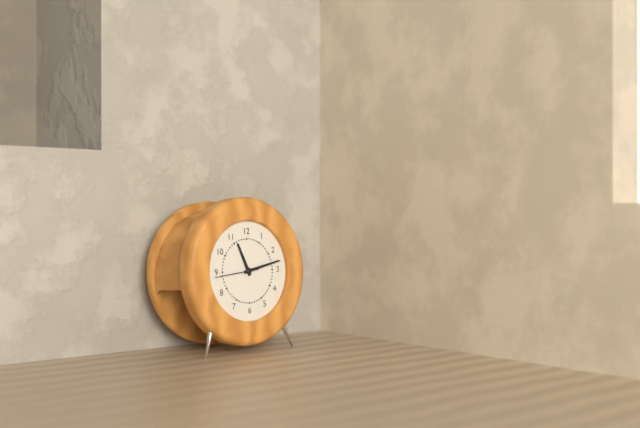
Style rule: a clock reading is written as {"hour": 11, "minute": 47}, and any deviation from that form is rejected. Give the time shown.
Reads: {"hour": 11, "minute": 13}
